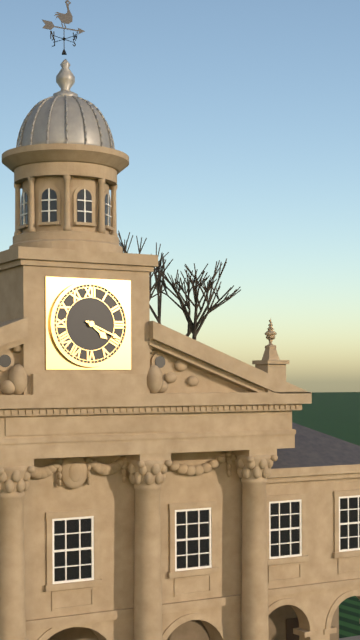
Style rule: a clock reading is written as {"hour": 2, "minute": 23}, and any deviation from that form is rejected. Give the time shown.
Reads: {"hour": 4, "minute": 19}
